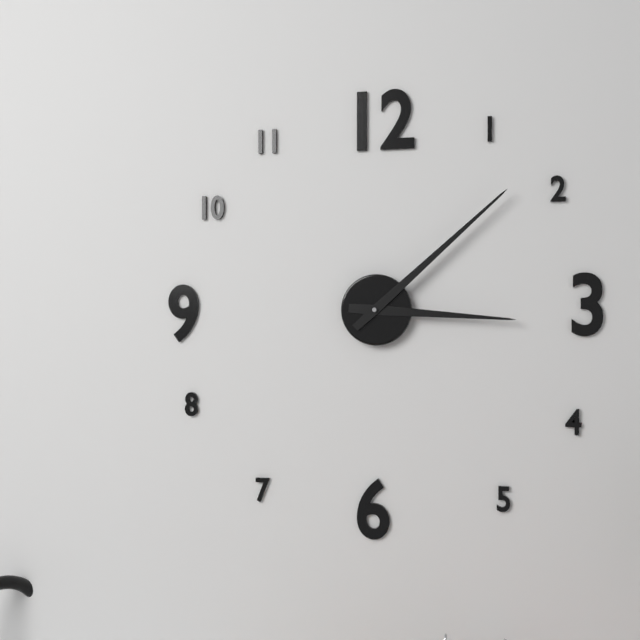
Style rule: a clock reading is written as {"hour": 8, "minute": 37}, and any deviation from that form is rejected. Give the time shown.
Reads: {"hour": 3, "minute": 8}
